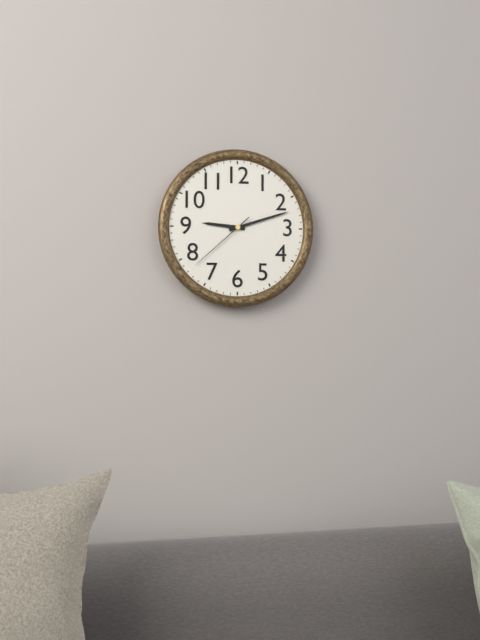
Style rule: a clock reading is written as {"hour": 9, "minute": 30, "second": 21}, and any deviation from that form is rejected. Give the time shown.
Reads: {"hour": 9, "minute": 12, "second": 38}
